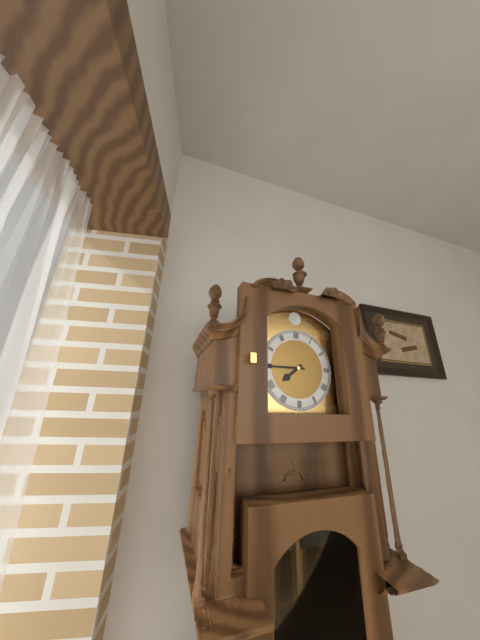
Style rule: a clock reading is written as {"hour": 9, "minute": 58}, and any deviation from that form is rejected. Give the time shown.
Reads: {"hour": 7, "minute": 45}
